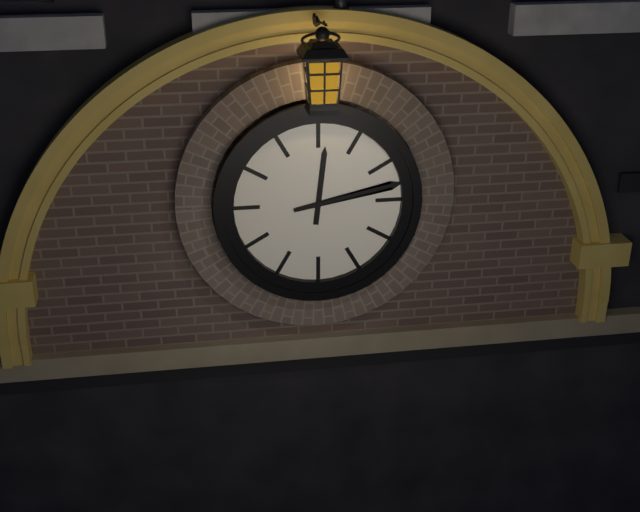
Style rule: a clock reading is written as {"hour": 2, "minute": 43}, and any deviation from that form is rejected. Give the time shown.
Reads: {"hour": 12, "minute": 13}
